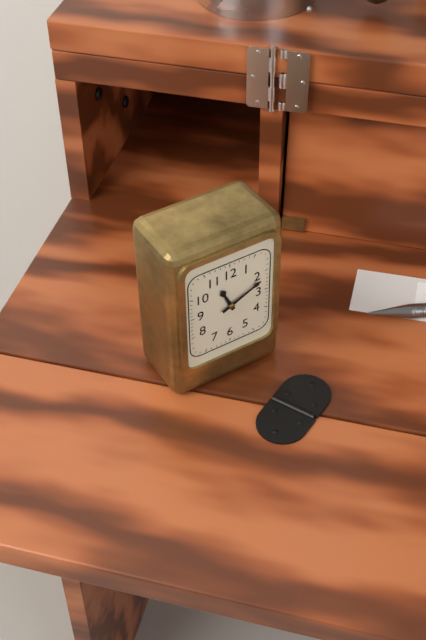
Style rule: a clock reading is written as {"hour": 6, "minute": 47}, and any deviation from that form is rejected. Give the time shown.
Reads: {"hour": 11, "minute": 11}
